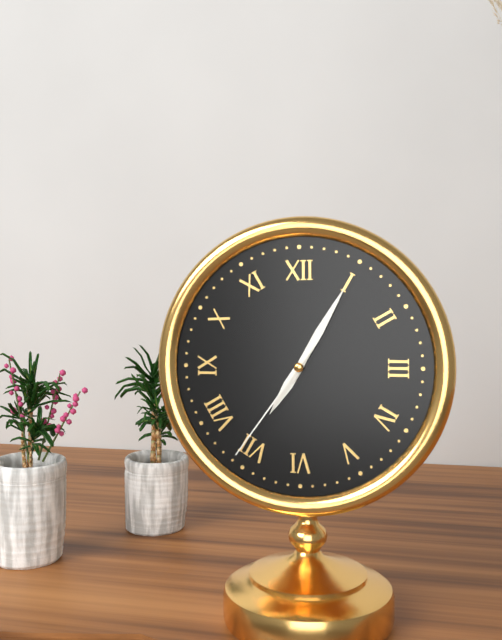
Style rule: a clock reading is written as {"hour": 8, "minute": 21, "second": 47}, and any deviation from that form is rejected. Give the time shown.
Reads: {"hour": 7, "minute": 5, "second": 36}
